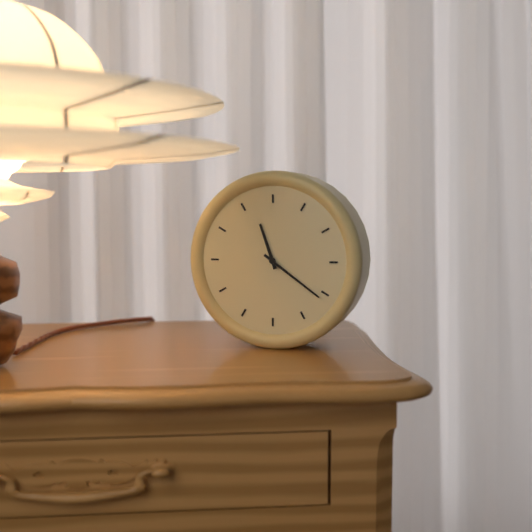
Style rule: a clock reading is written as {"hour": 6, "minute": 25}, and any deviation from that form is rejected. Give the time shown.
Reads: {"hour": 11, "minute": 21}
